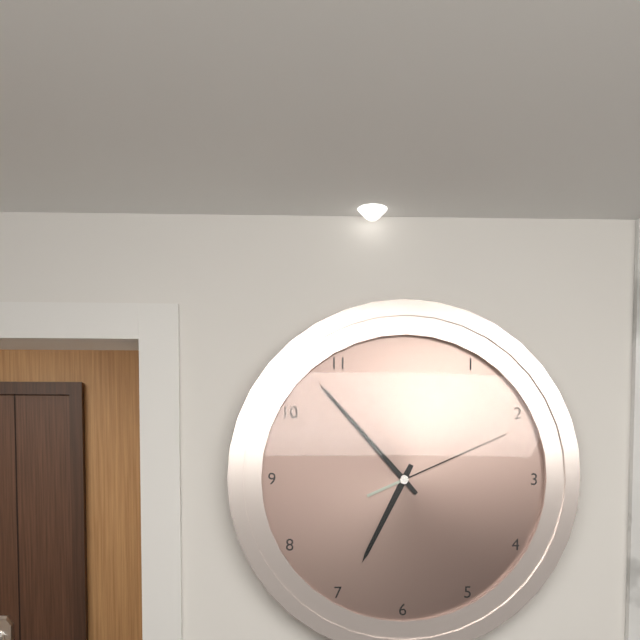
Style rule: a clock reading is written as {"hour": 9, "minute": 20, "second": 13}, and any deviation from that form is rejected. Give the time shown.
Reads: {"hour": 6, "minute": 53, "second": 11}
